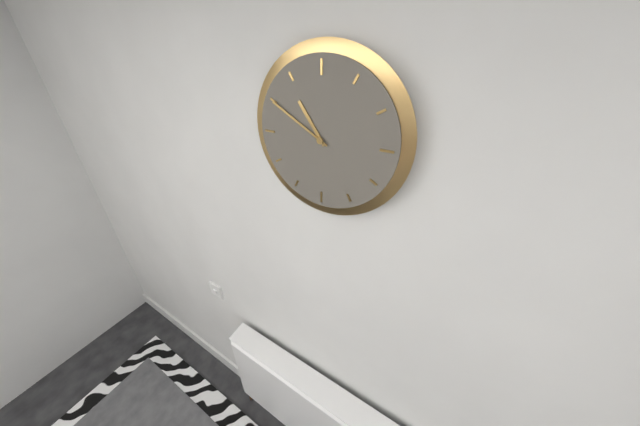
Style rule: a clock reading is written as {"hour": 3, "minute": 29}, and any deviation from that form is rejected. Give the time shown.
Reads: {"hour": 10, "minute": 50}
